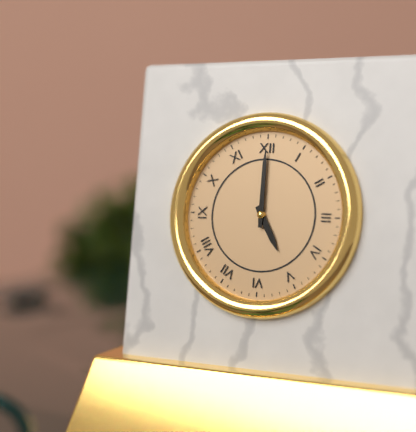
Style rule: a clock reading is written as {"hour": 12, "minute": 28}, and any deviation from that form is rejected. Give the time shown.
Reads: {"hour": 5, "minute": 0}
